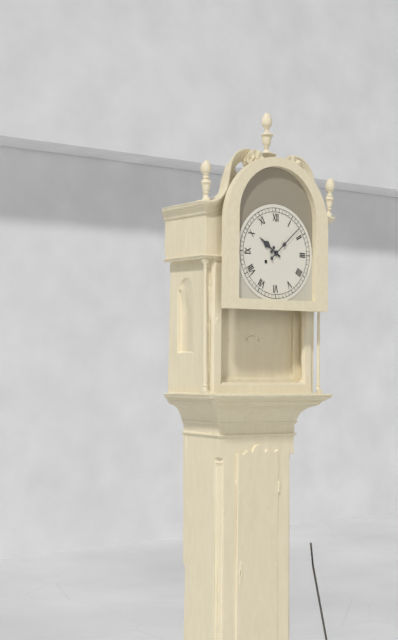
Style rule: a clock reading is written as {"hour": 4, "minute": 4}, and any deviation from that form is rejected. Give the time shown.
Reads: {"hour": 10, "minute": 8}
